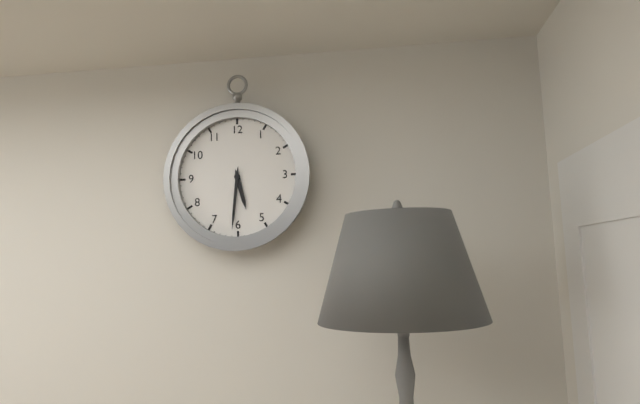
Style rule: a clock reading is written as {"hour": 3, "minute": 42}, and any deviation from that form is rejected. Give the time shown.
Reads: {"hour": 5, "minute": 31}
